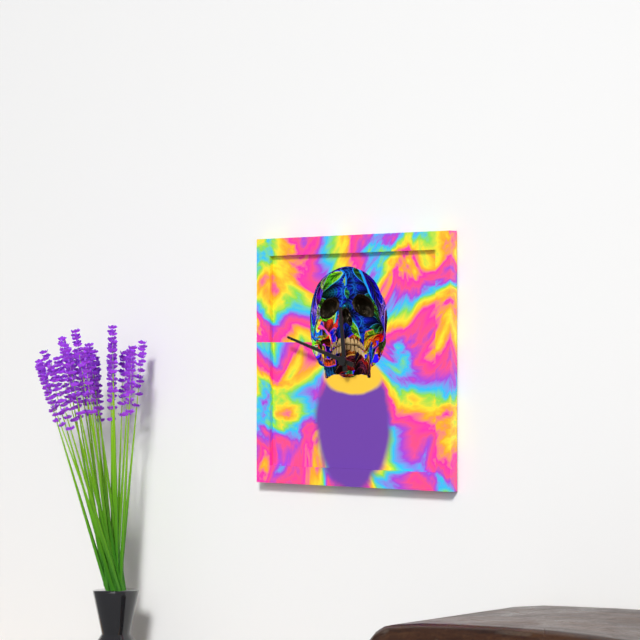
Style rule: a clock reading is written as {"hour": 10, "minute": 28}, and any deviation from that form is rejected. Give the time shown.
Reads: {"hour": 11, "minute": 48}
